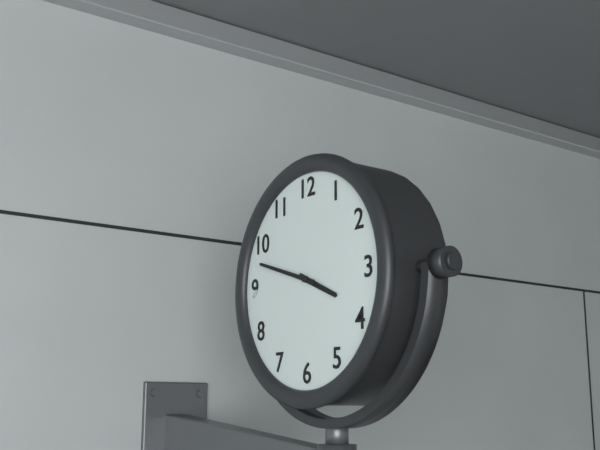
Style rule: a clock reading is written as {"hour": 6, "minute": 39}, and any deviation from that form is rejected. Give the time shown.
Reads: {"hour": 3, "minute": 48}
